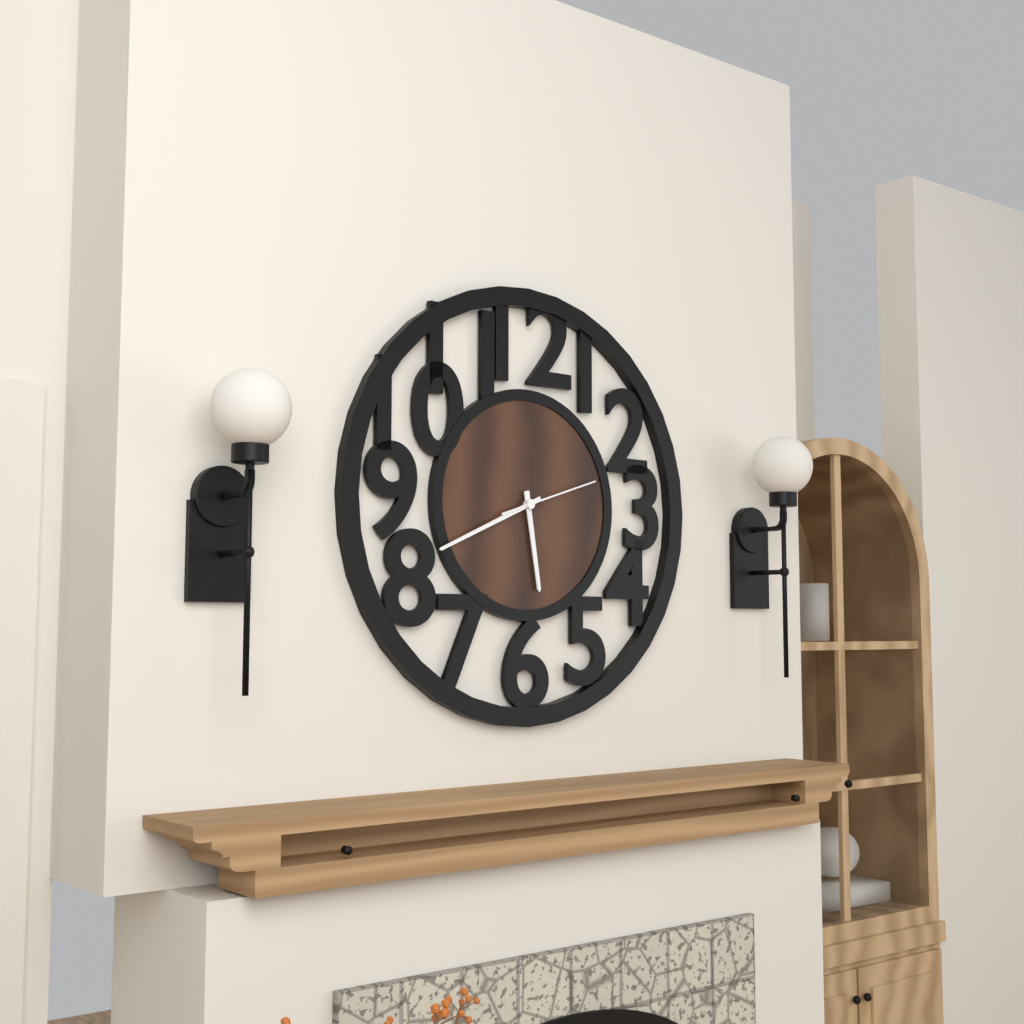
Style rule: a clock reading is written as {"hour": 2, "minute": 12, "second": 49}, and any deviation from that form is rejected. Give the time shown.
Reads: {"hour": 5, "minute": 41, "second": 12}
